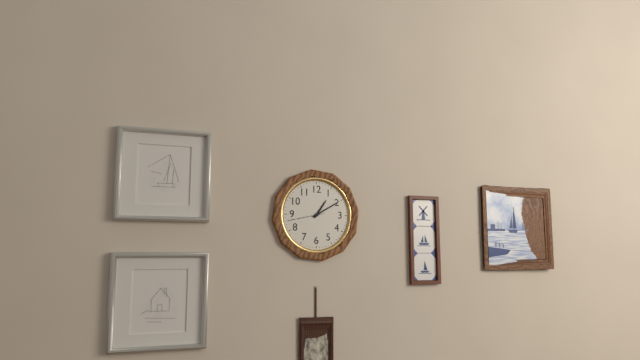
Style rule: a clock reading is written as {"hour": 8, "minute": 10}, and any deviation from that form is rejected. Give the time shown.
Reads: {"hour": 1, "minute": 10}
